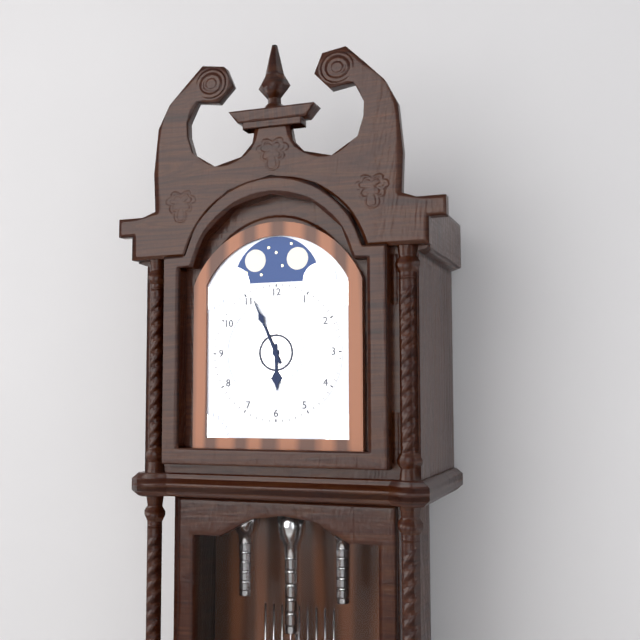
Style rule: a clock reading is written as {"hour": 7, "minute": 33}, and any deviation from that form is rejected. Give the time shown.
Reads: {"hour": 5, "minute": 56}
